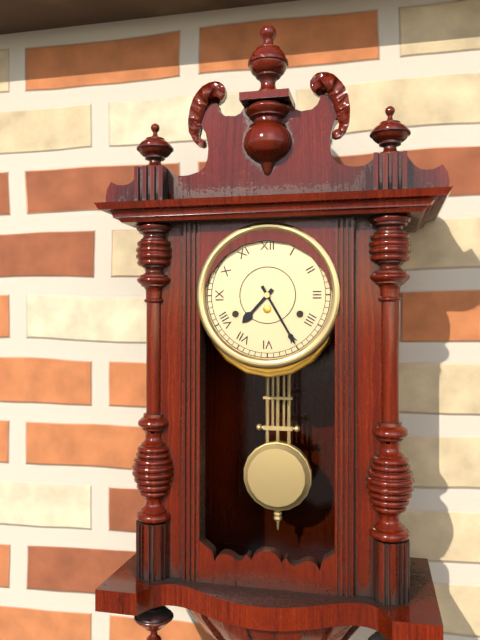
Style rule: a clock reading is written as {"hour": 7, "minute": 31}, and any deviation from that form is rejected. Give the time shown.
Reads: {"hour": 7, "minute": 25}
